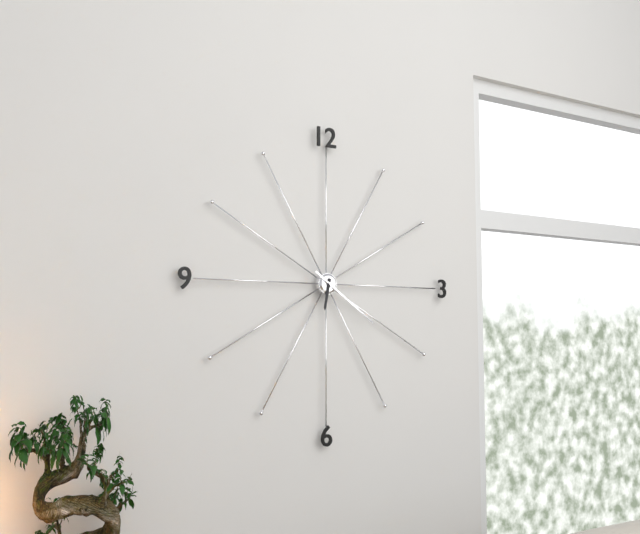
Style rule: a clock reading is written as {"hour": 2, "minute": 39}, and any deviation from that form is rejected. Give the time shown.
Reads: {"hour": 6, "minute": 21}
